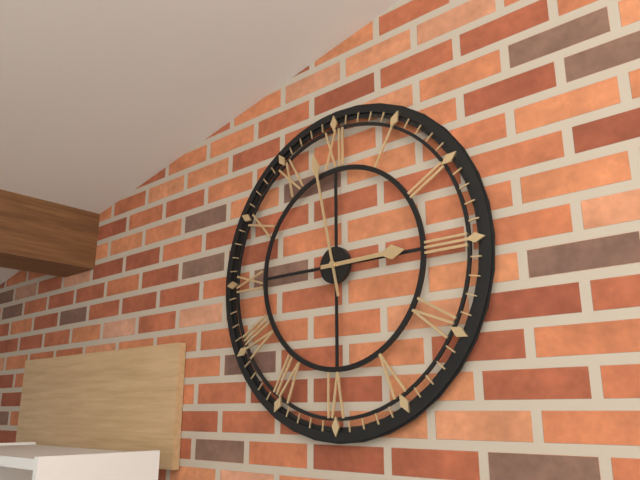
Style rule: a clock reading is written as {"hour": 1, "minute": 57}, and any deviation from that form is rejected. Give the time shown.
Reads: {"hour": 2, "minute": 58}
